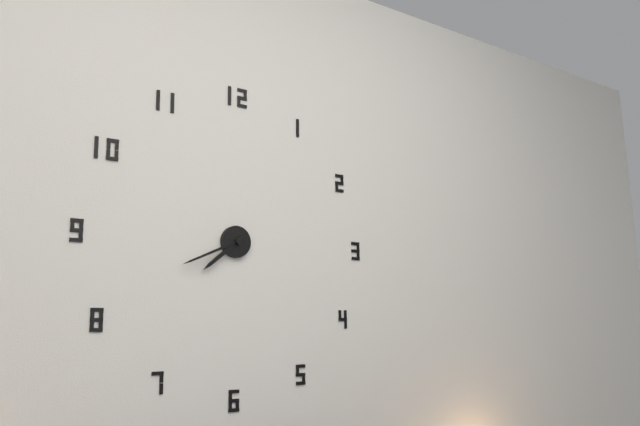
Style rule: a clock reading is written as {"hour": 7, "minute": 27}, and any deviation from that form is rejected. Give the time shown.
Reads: {"hour": 7, "minute": 41}
